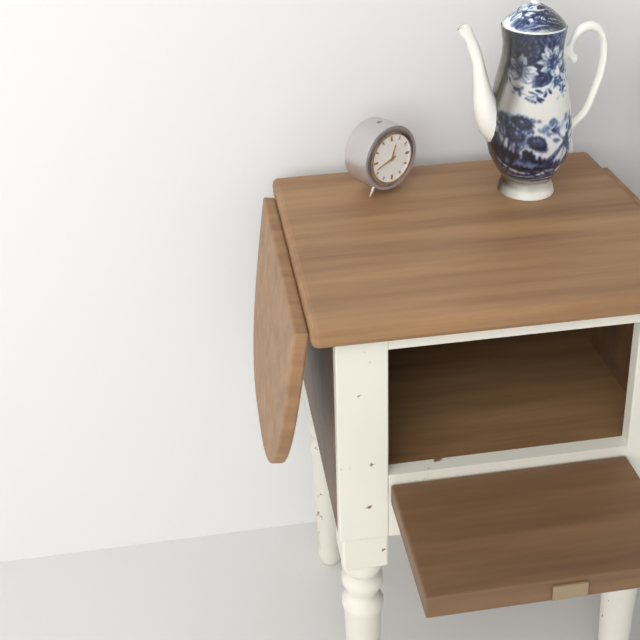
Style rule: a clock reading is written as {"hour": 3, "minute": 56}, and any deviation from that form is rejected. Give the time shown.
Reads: {"hour": 12, "minute": 42}
